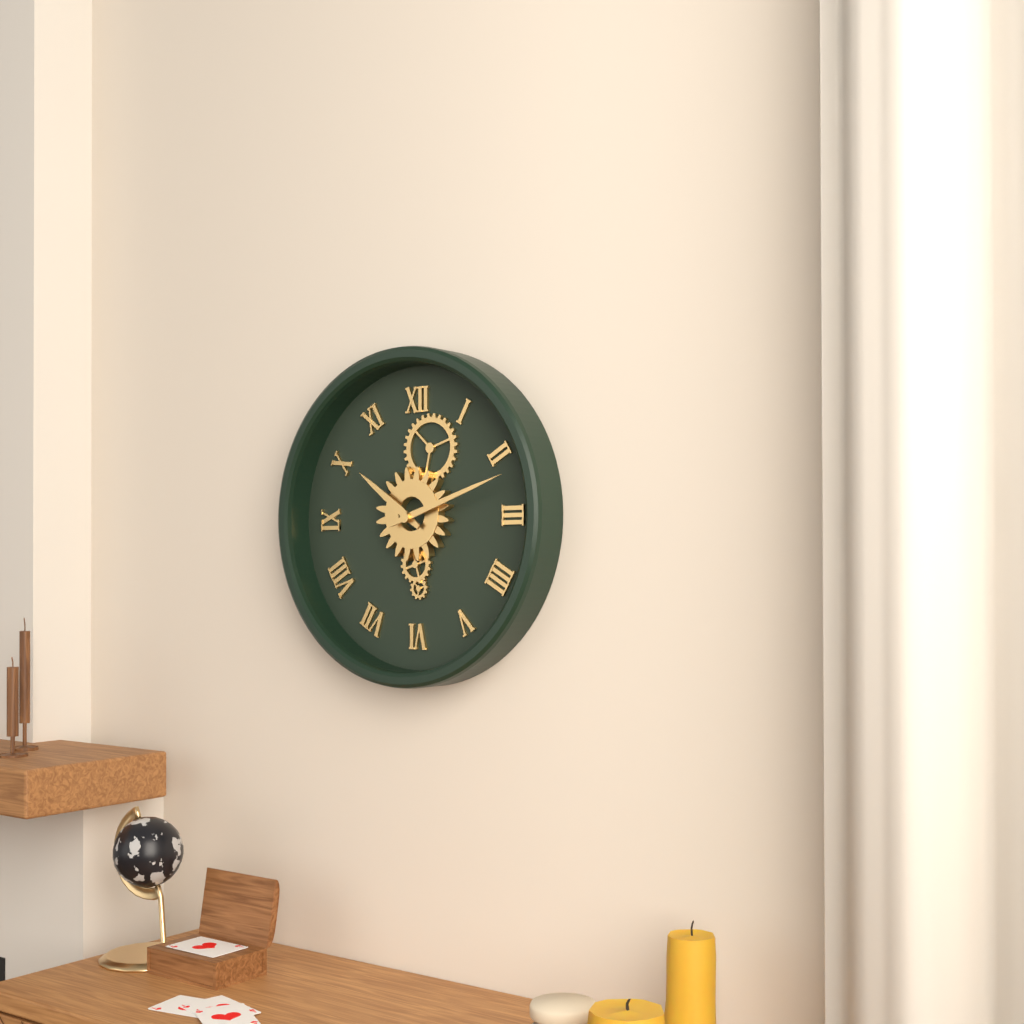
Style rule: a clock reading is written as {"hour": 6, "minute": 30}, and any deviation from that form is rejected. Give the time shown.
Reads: {"hour": 10, "minute": 12}
